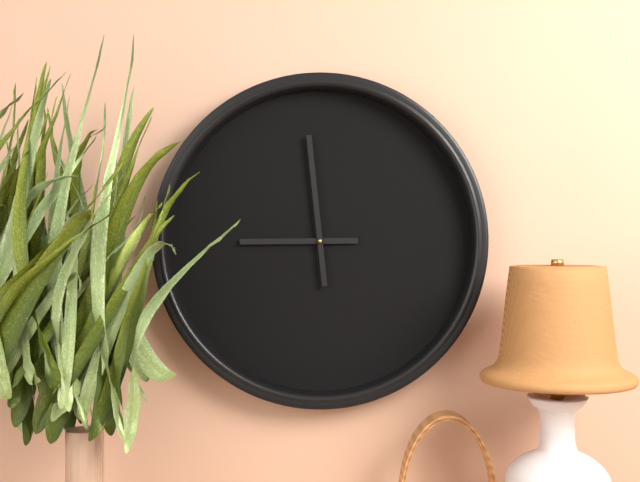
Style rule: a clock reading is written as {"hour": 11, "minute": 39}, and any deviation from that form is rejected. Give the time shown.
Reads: {"hour": 8, "minute": 59}
